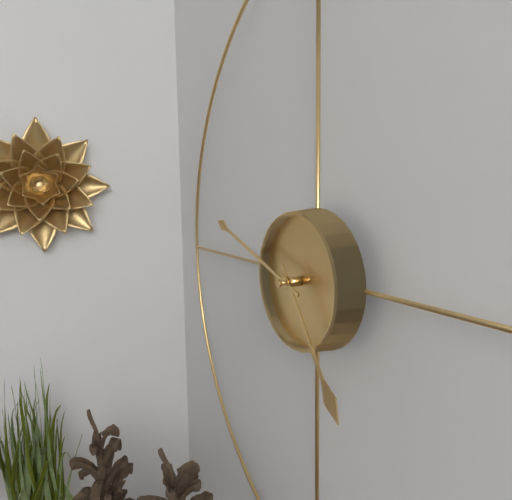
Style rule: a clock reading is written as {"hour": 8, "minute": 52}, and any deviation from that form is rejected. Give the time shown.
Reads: {"hour": 4, "minute": 48}
